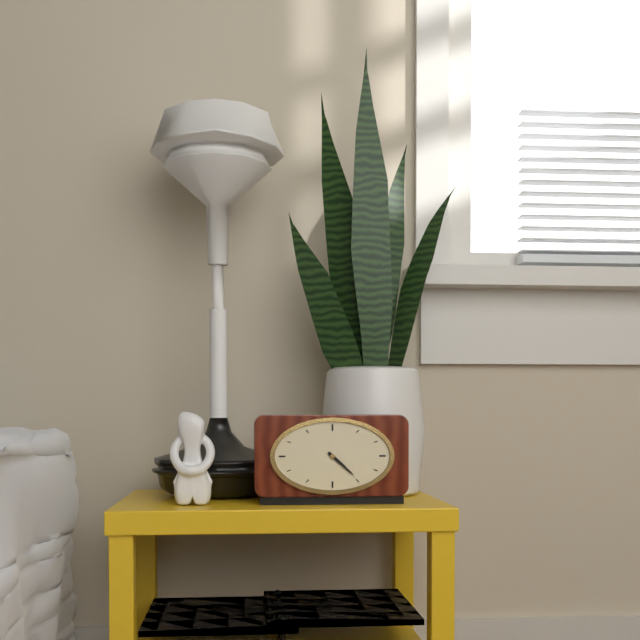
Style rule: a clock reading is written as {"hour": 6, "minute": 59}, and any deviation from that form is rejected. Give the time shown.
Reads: {"hour": 4, "minute": 22}
